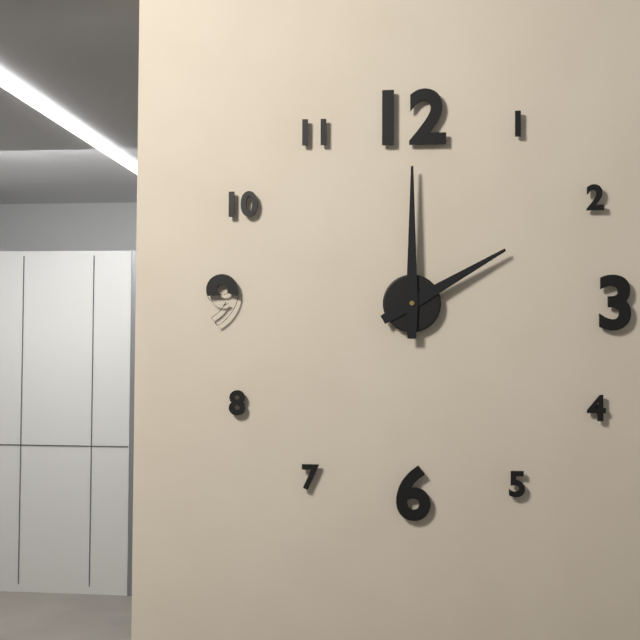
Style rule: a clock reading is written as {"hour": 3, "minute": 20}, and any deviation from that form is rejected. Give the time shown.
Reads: {"hour": 2, "minute": 0}
